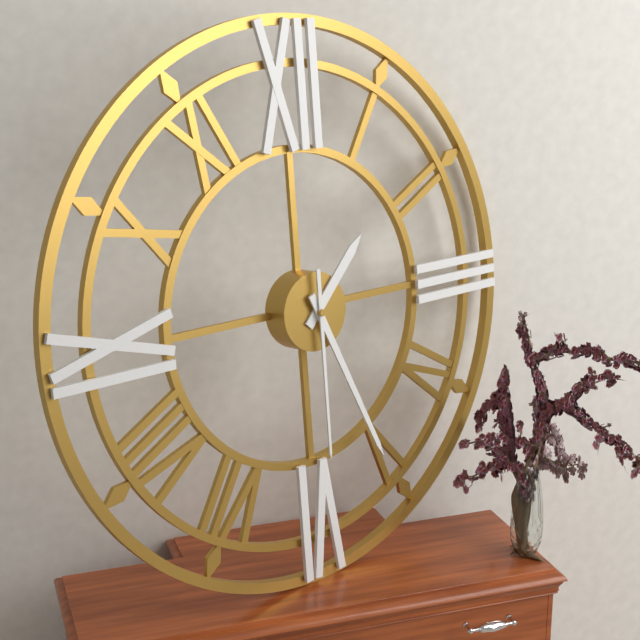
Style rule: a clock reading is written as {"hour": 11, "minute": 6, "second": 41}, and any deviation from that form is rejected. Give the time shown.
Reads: {"hour": 1, "minute": 26, "second": 30}
